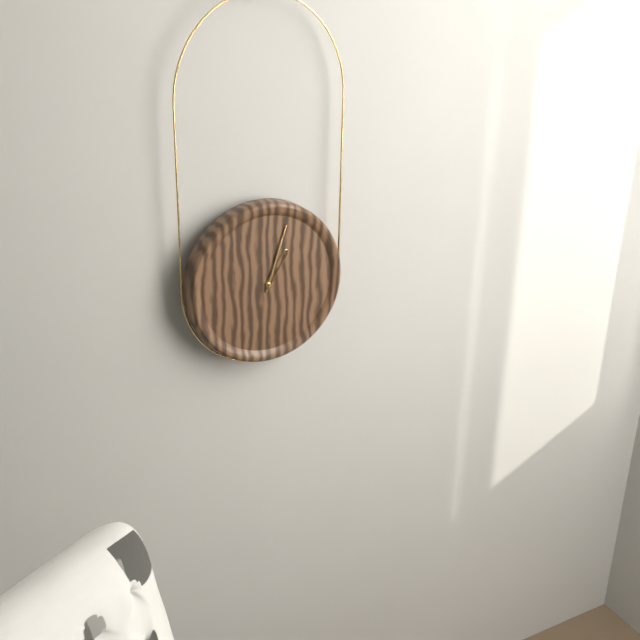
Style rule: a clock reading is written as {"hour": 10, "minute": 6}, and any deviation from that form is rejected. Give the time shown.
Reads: {"hour": 1, "minute": 3}
